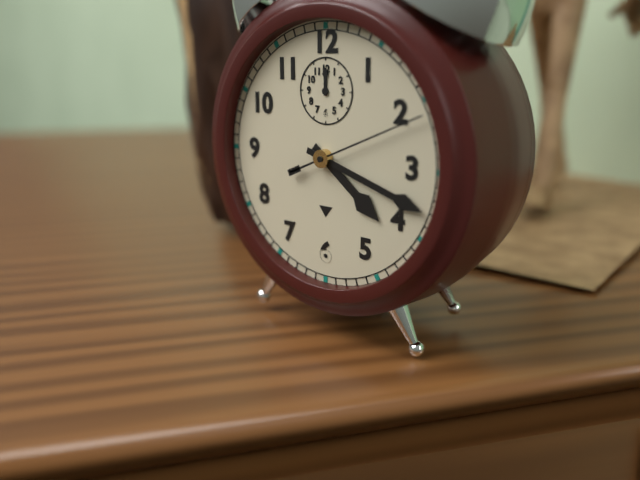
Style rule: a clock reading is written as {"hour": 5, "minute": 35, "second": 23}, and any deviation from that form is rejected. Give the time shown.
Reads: {"hour": 4, "minute": 18, "second": 11}
